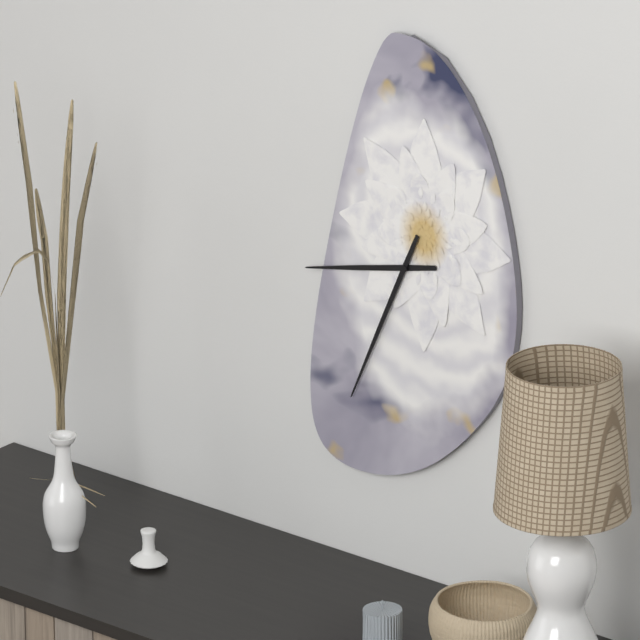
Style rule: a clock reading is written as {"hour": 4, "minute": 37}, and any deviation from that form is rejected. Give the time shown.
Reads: {"hour": 8, "minute": 34}
